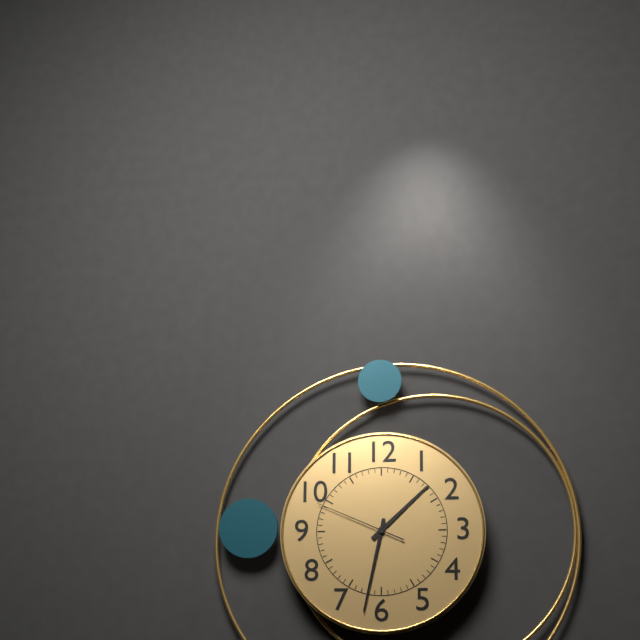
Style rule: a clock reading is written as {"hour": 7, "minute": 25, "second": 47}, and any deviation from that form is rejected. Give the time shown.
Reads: {"hour": 1, "minute": 32, "second": 49}
